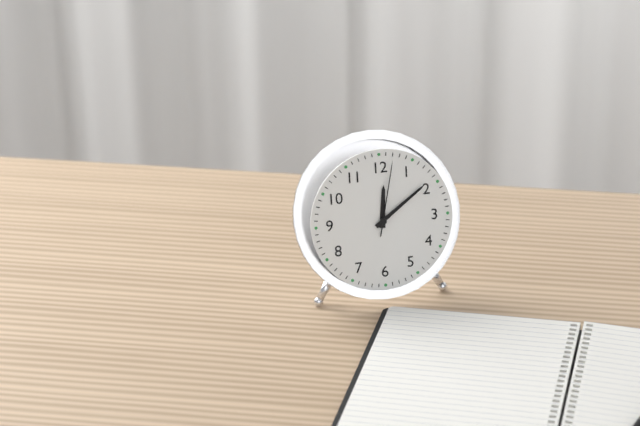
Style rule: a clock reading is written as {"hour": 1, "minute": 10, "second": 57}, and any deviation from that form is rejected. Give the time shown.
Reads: {"hour": 12, "minute": 9, "second": 2}
